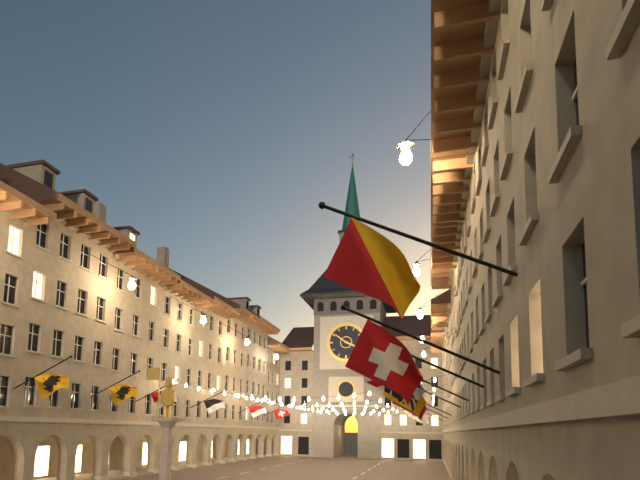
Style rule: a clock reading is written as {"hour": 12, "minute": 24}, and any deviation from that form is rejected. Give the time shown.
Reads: {"hour": 3, "minute": 51}
